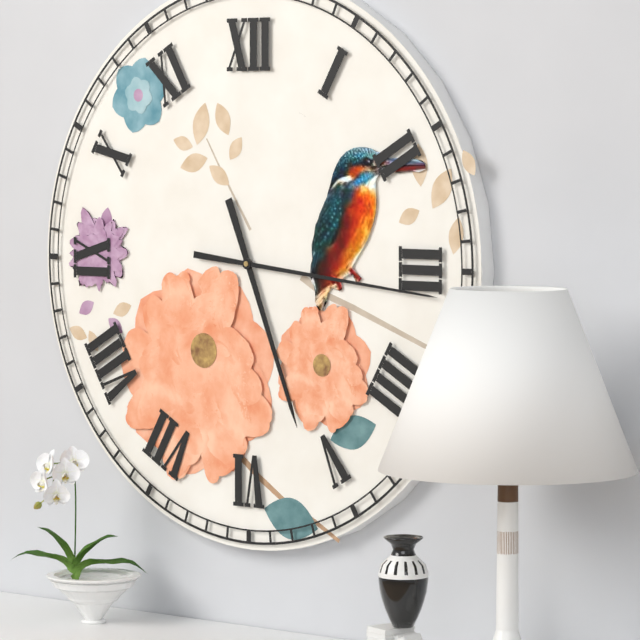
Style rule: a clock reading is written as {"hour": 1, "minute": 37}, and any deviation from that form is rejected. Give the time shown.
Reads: {"hour": 5, "minute": 16}
